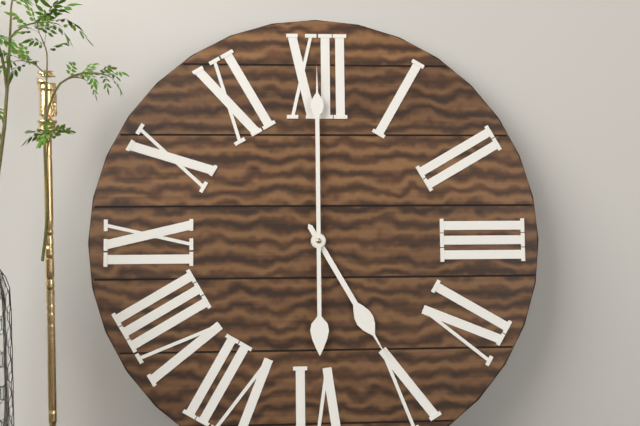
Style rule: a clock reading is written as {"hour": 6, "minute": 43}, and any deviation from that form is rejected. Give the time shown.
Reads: {"hour": 5, "minute": 0}
